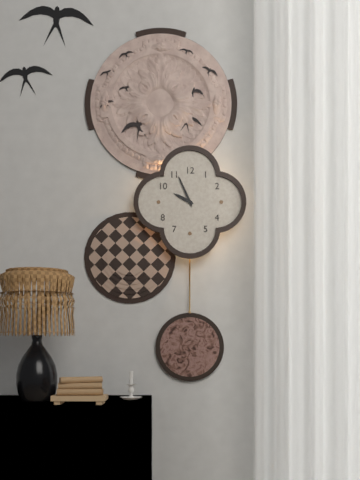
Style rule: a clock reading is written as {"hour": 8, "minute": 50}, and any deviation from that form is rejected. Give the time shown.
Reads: {"hour": 9, "minute": 56}
